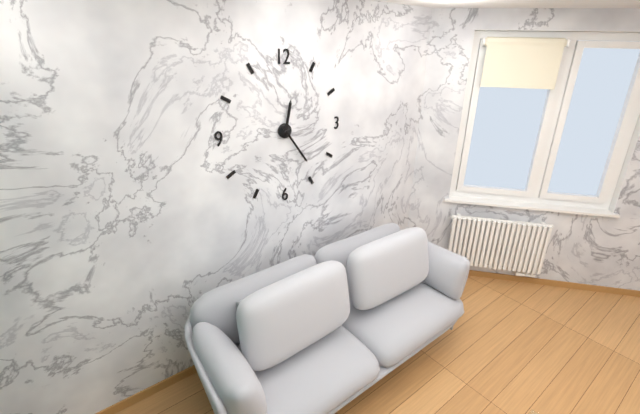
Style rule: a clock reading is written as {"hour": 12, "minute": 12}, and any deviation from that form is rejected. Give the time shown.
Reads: {"hour": 12, "minute": 24}
